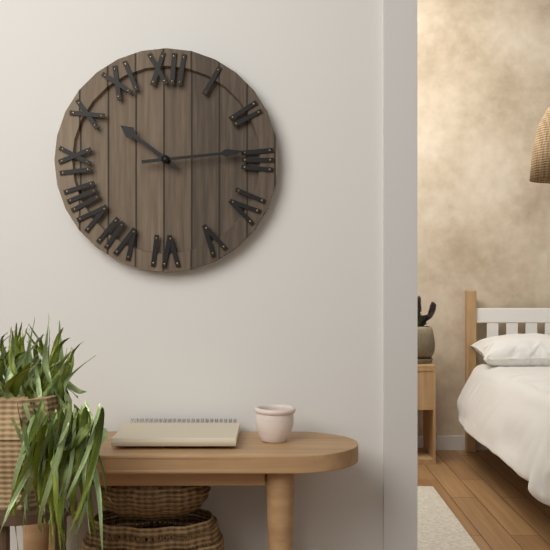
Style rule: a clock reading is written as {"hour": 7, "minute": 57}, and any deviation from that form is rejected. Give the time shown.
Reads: {"hour": 10, "minute": 14}
